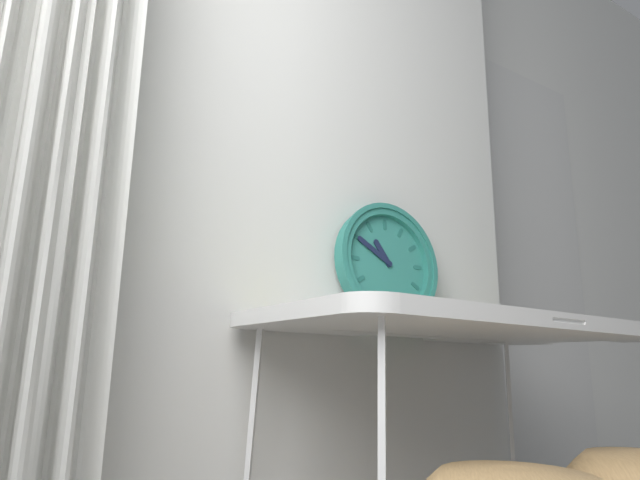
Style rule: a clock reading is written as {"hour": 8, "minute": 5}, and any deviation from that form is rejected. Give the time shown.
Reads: {"hour": 10, "minute": 50}
